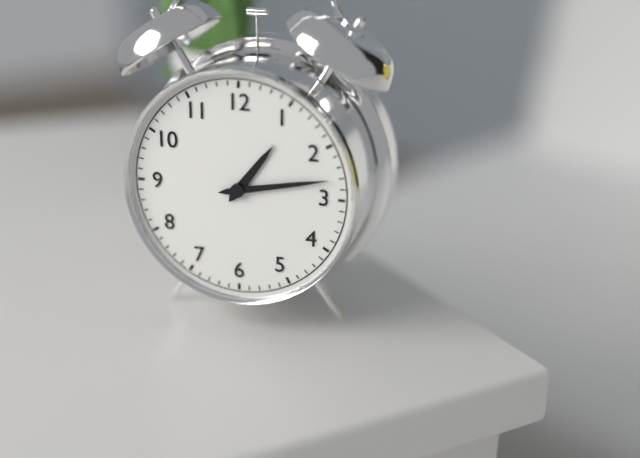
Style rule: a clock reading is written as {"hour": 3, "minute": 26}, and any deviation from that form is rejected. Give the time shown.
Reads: {"hour": 1, "minute": 13}
